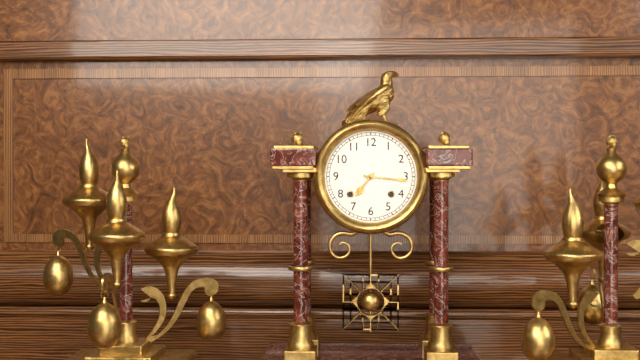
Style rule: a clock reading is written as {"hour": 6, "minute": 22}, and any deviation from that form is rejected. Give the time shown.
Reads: {"hour": 7, "minute": 16}
